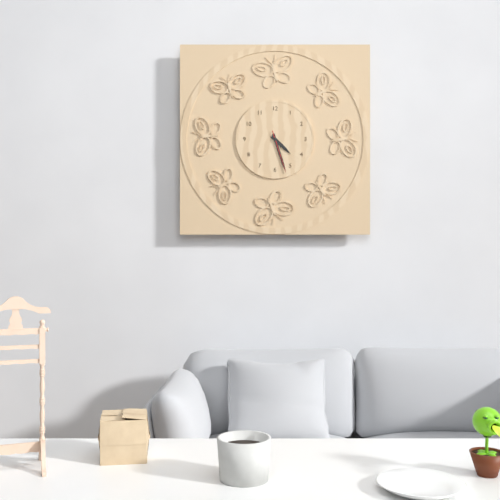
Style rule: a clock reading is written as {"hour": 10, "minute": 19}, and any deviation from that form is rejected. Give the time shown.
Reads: {"hour": 4, "minute": 27}
